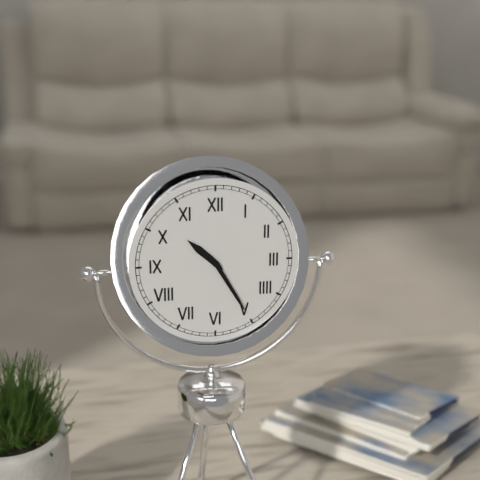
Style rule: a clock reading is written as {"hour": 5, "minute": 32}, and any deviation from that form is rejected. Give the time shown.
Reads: {"hour": 10, "minute": 25}
